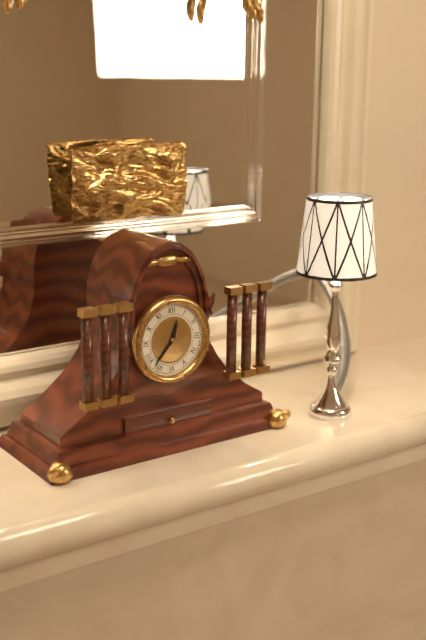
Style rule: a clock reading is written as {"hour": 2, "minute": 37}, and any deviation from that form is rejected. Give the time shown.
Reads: {"hour": 12, "minute": 37}
